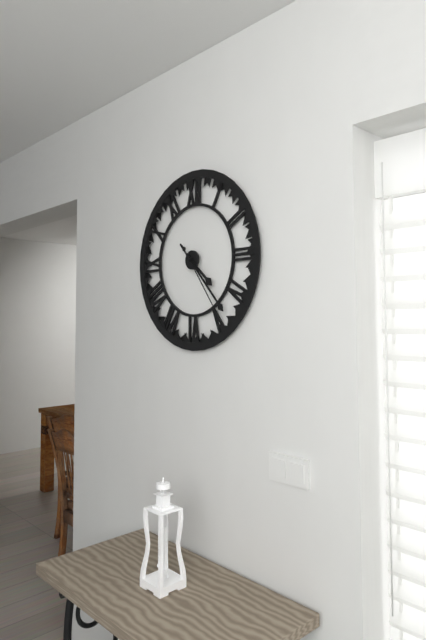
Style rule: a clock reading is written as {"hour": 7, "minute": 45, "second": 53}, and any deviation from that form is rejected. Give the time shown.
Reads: {"hour": 4, "minute": 23, "second": 24}
